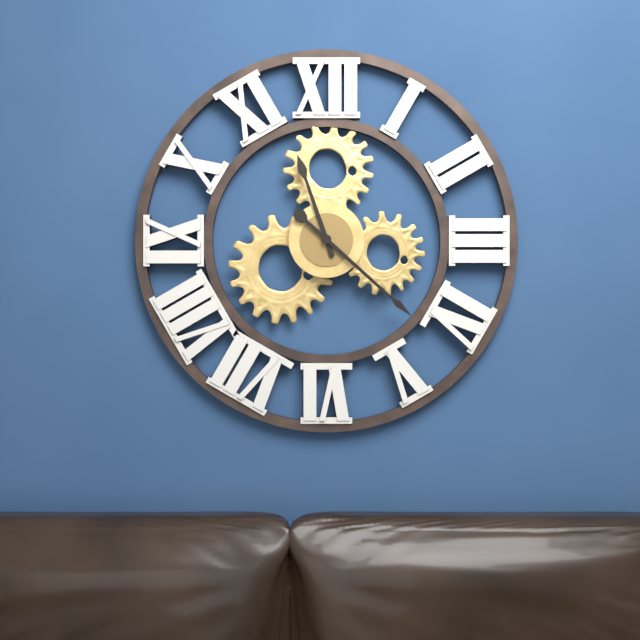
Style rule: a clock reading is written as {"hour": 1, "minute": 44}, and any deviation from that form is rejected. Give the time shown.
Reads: {"hour": 11, "minute": 22}
